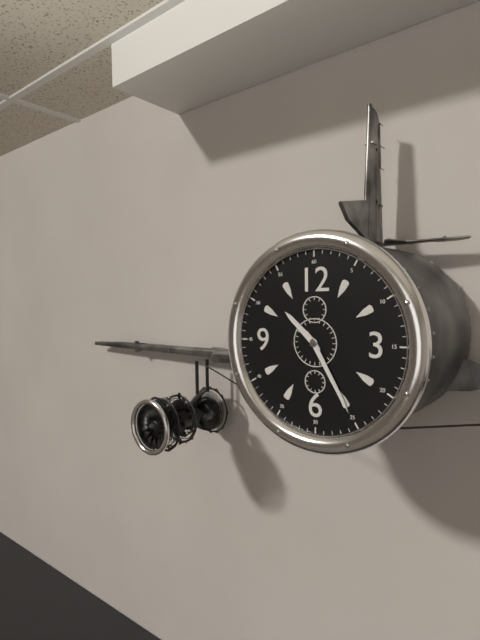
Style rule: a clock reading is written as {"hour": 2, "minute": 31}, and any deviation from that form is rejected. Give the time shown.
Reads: {"hour": 10, "minute": 25}
